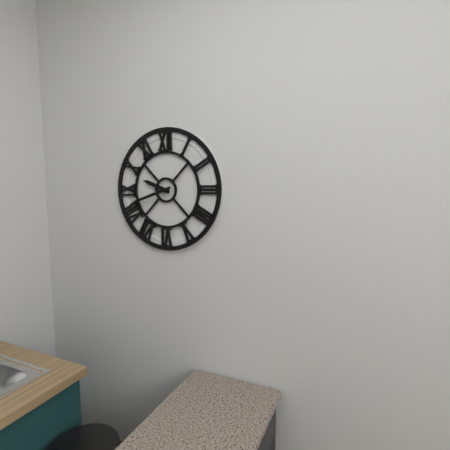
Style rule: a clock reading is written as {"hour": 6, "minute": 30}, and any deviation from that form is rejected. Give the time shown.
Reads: {"hour": 9, "minute": 42}
